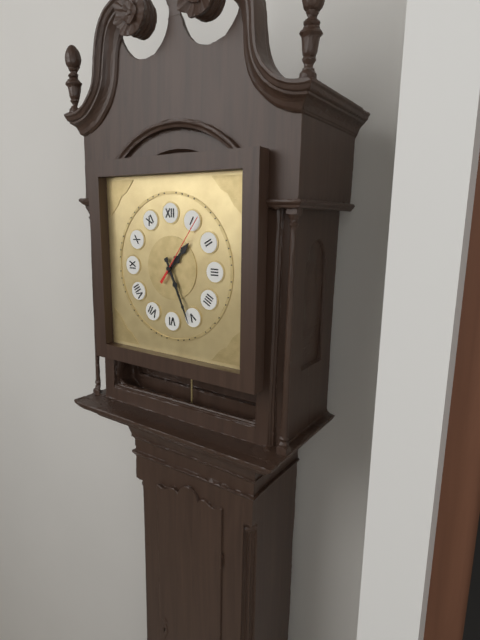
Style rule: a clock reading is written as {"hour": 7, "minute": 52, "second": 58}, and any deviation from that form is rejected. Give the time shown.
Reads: {"hour": 1, "minute": 26, "second": 6}
